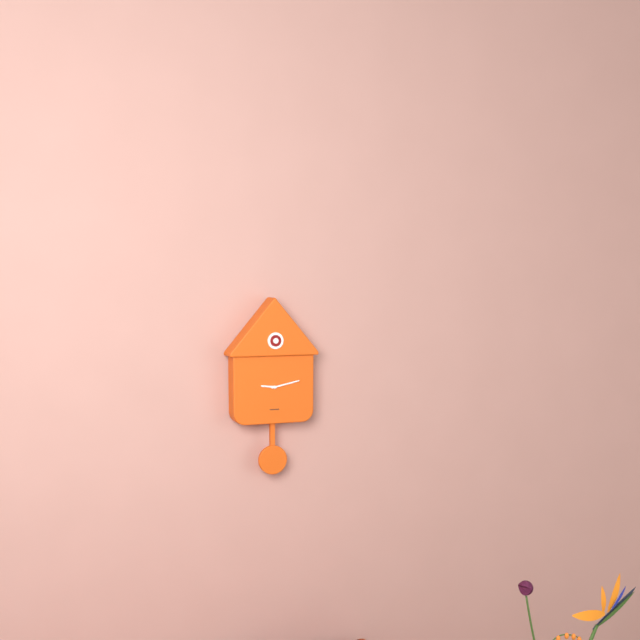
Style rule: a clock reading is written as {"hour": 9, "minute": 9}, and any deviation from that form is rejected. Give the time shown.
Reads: {"hour": 9, "minute": 13}
